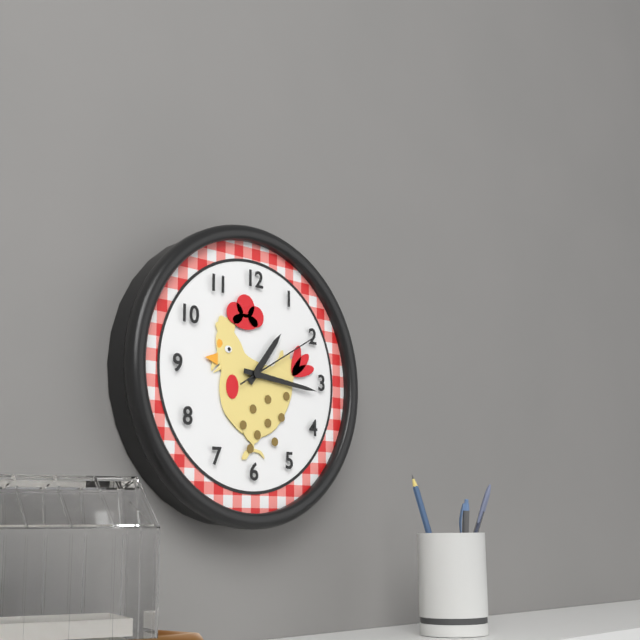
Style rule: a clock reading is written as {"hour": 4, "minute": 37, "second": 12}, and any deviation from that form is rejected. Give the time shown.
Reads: {"hour": 1, "minute": 16, "second": 10}
